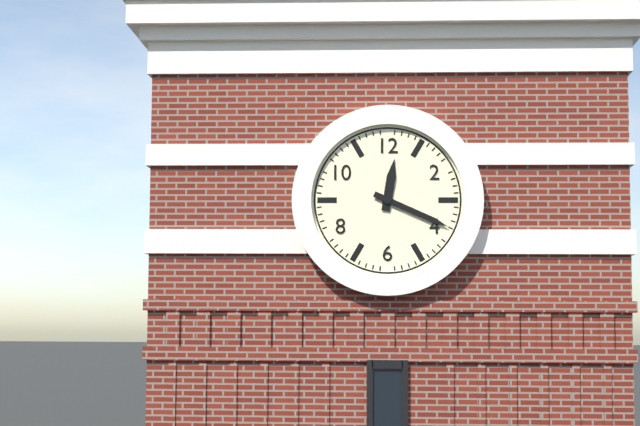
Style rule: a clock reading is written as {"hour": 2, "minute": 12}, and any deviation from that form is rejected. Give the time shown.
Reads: {"hour": 12, "minute": 19}
